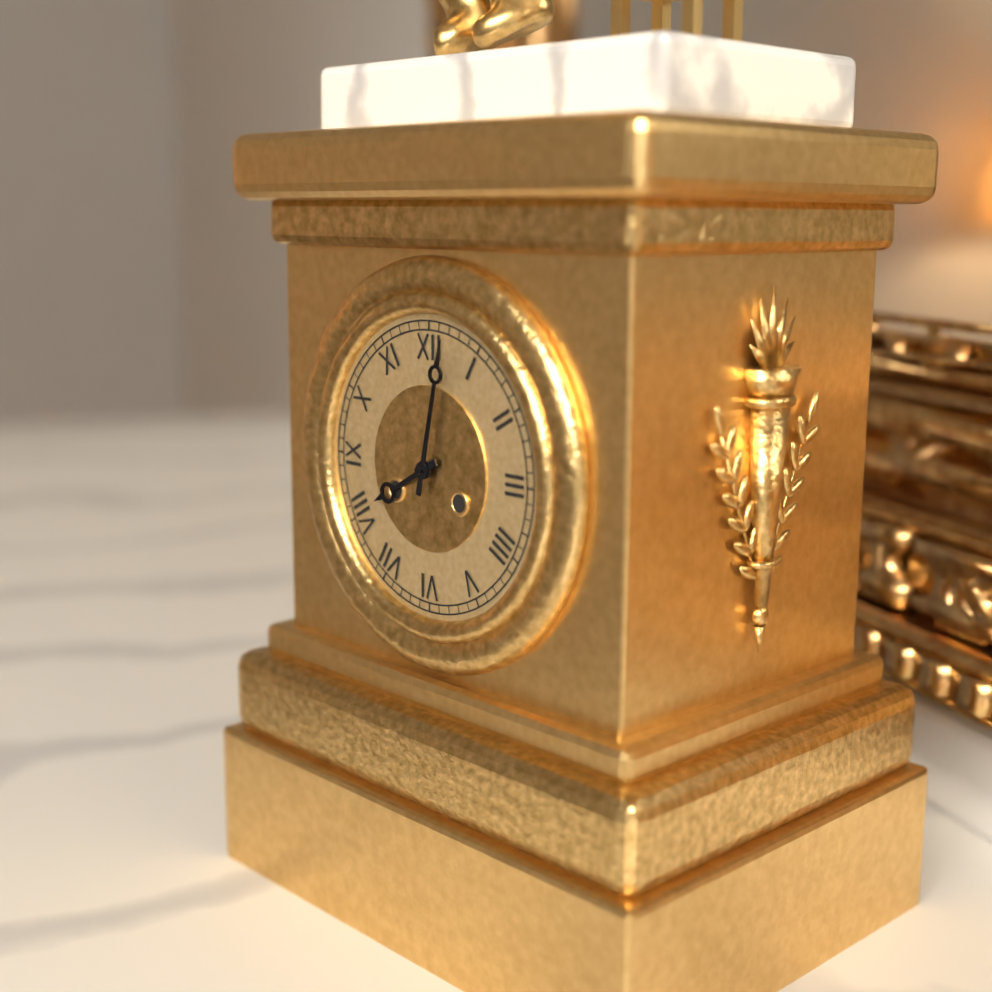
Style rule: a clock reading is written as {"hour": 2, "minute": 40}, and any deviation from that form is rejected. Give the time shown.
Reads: {"hour": 8, "minute": 2}
